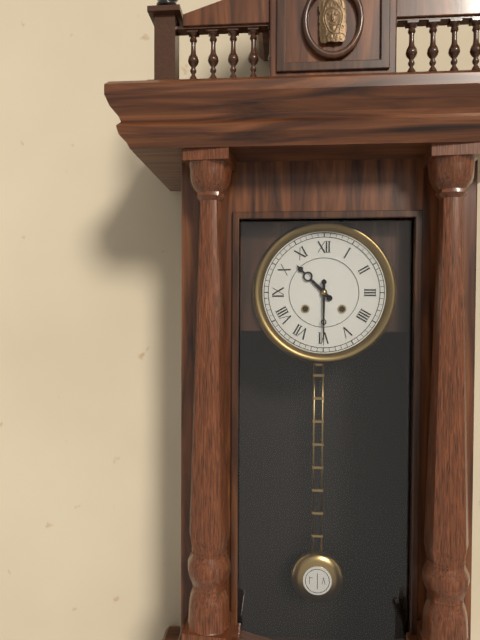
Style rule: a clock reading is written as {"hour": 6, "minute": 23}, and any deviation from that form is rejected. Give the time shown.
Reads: {"hour": 10, "minute": 30}
